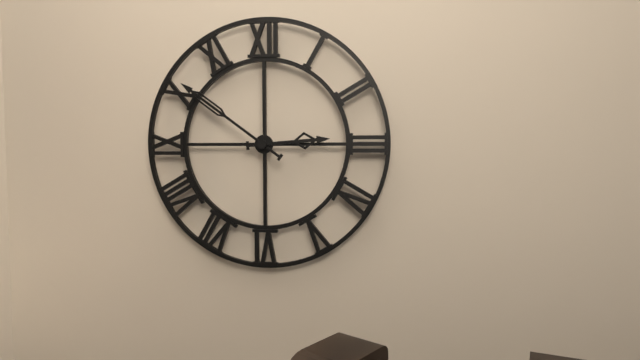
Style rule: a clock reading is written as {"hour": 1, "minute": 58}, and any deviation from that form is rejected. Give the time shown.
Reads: {"hour": 2, "minute": 51}
